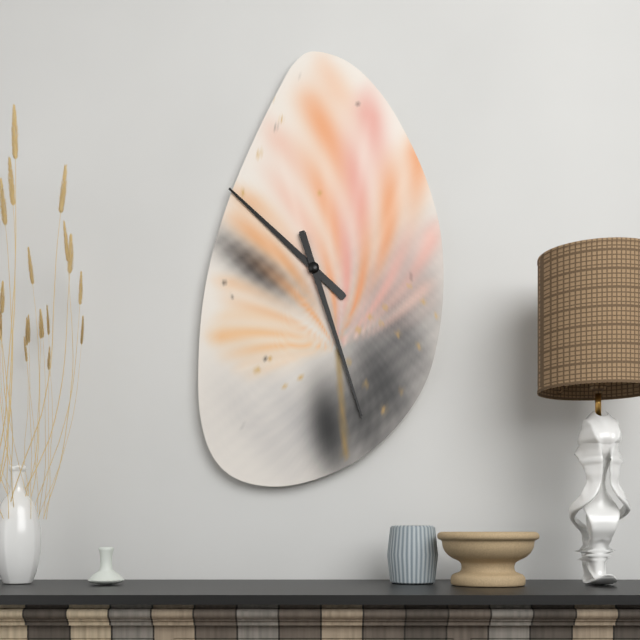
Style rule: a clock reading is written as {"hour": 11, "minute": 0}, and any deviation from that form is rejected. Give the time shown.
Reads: {"hour": 10, "minute": 27}
